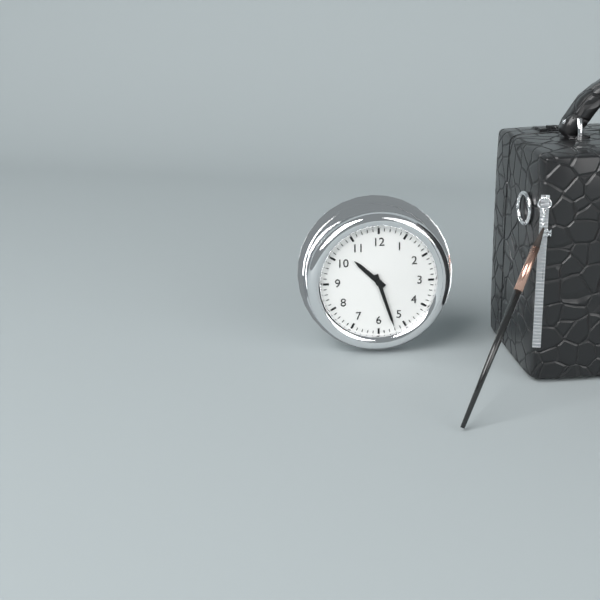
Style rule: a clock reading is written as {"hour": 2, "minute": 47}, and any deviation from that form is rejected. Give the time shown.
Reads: {"hour": 10, "minute": 27}
